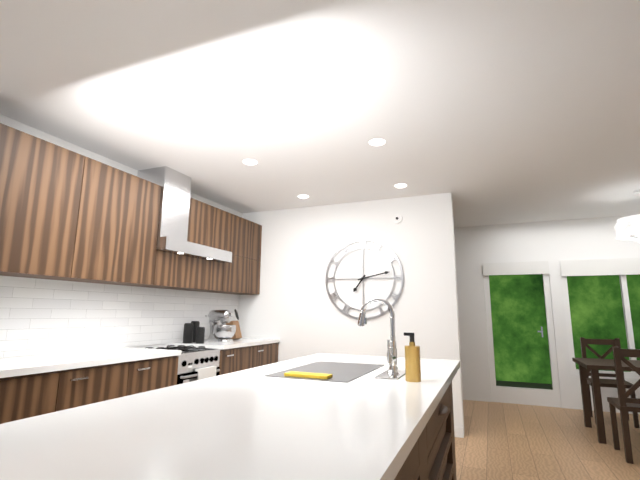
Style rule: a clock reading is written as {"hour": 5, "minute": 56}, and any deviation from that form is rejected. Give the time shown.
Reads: {"hour": 7, "minute": 13}
